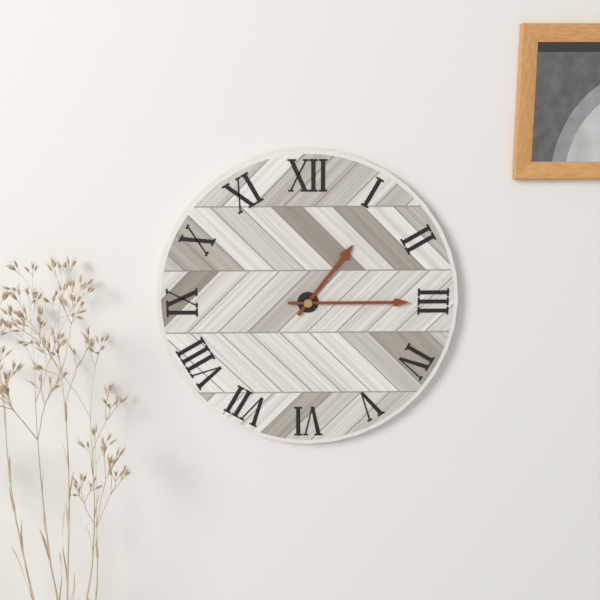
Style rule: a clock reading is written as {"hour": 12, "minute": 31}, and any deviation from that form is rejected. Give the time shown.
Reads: {"hour": 1, "minute": 15}
